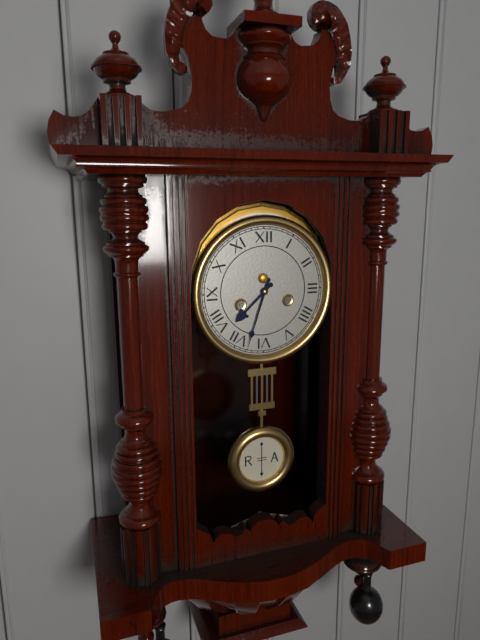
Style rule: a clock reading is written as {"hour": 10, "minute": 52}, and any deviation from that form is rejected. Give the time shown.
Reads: {"hour": 7, "minute": 33}
